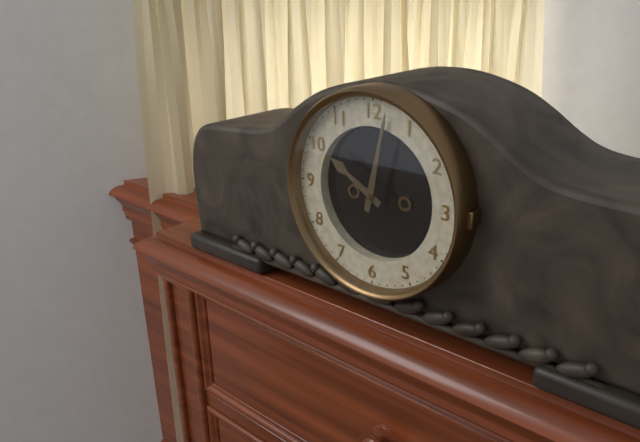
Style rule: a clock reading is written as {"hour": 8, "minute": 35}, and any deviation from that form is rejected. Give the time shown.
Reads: {"hour": 10, "minute": 2}
